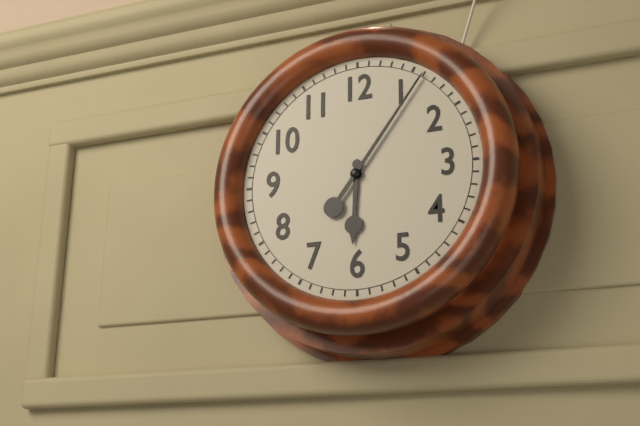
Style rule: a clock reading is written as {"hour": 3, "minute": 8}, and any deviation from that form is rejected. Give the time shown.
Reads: {"hour": 6, "minute": 6}
